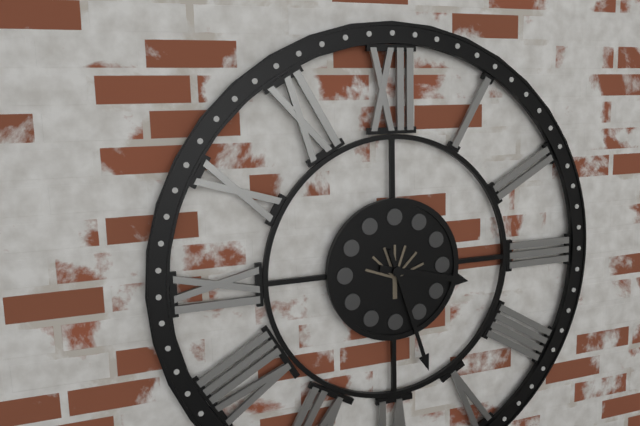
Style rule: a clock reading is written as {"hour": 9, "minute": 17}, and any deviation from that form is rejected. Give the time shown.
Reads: {"hour": 3, "minute": 27}
